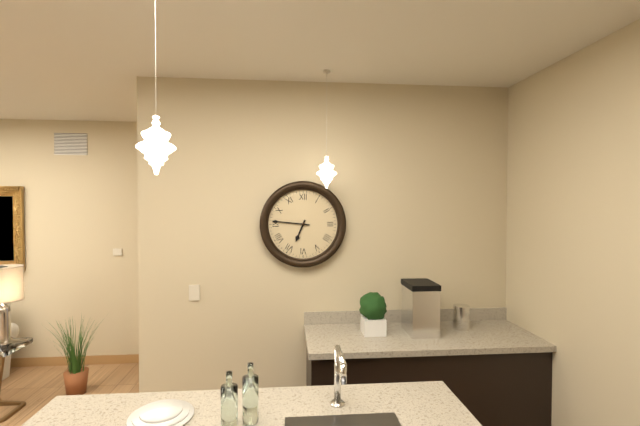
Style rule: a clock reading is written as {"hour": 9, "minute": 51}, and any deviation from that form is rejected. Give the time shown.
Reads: {"hour": 6, "minute": 46}
